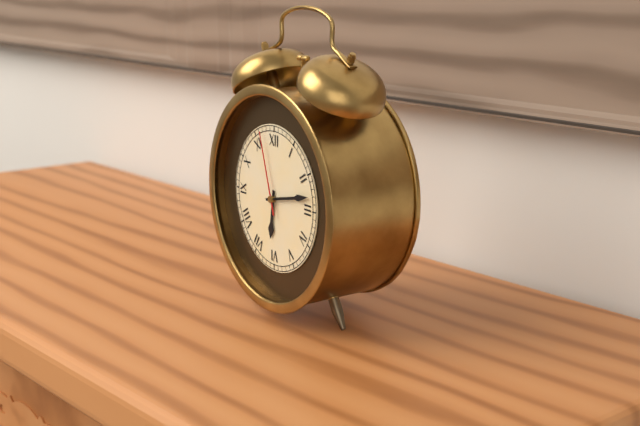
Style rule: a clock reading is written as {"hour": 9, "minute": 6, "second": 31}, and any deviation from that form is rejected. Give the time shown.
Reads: {"hour": 6, "minute": 13, "second": 57}
